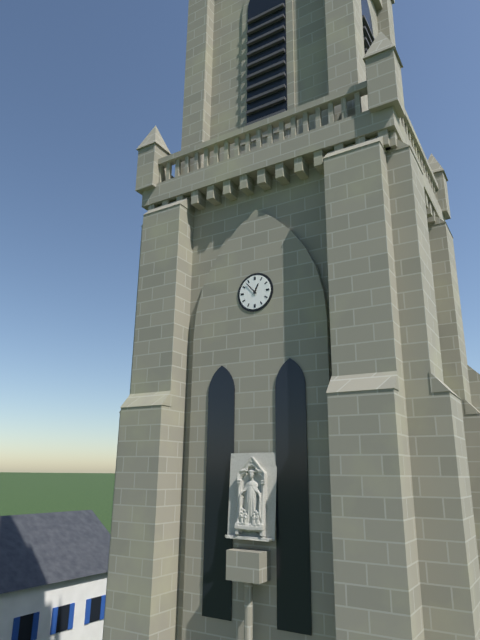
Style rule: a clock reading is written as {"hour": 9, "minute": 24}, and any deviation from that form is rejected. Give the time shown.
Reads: {"hour": 12, "minute": 53}
